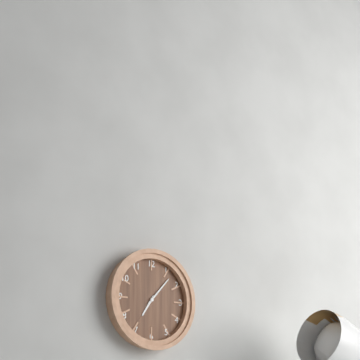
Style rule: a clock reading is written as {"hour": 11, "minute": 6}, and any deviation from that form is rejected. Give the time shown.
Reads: {"hour": 7, "minute": 7}
